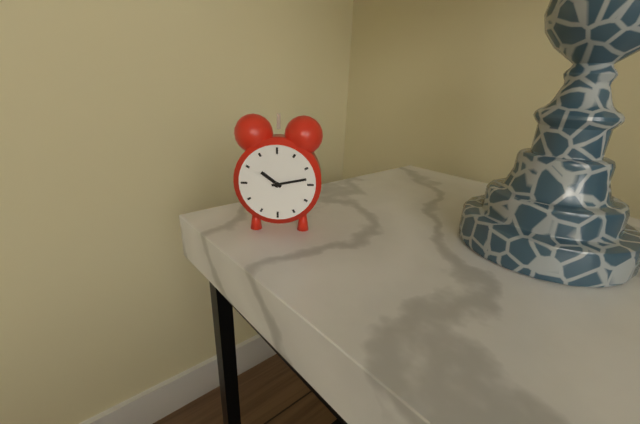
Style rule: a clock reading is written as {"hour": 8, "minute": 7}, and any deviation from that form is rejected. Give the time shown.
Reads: {"hour": 10, "minute": 13}
